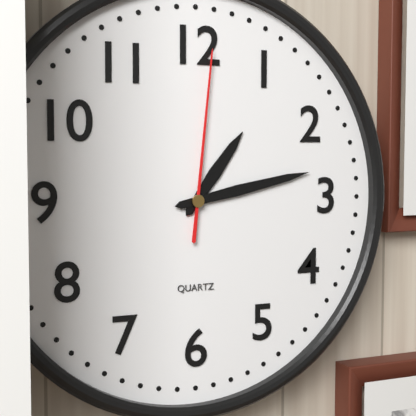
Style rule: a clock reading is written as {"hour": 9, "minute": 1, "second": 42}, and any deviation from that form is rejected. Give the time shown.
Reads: {"hour": 1, "minute": 13, "second": 1}
